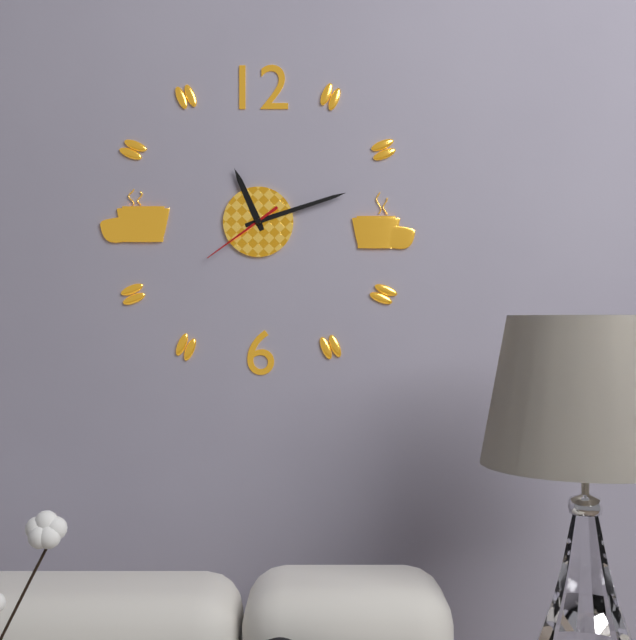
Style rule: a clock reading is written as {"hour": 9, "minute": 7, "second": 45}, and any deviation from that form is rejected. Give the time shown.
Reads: {"hour": 11, "minute": 12, "second": 39}
